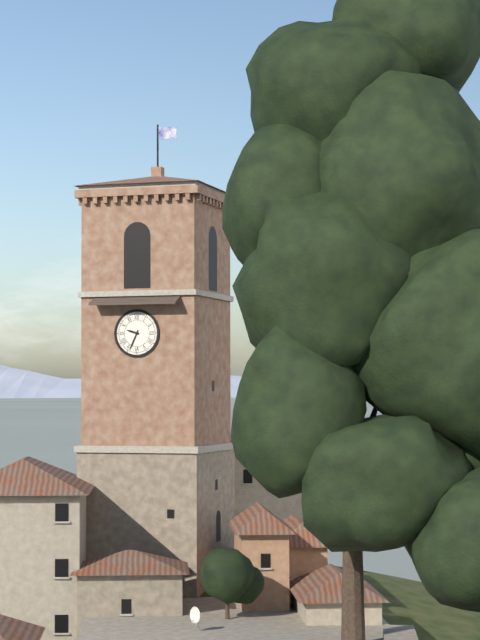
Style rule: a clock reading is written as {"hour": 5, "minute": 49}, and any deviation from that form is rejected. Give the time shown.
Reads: {"hour": 9, "minute": 34}
